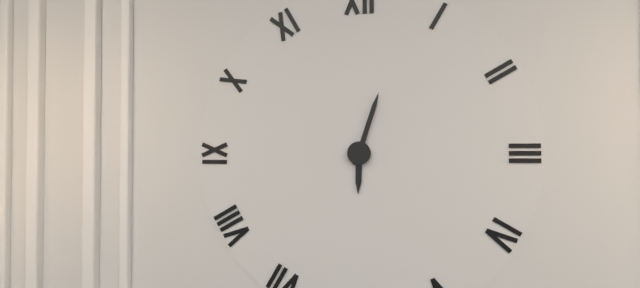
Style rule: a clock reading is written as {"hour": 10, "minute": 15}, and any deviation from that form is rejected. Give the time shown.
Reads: {"hour": 6, "minute": 3}
